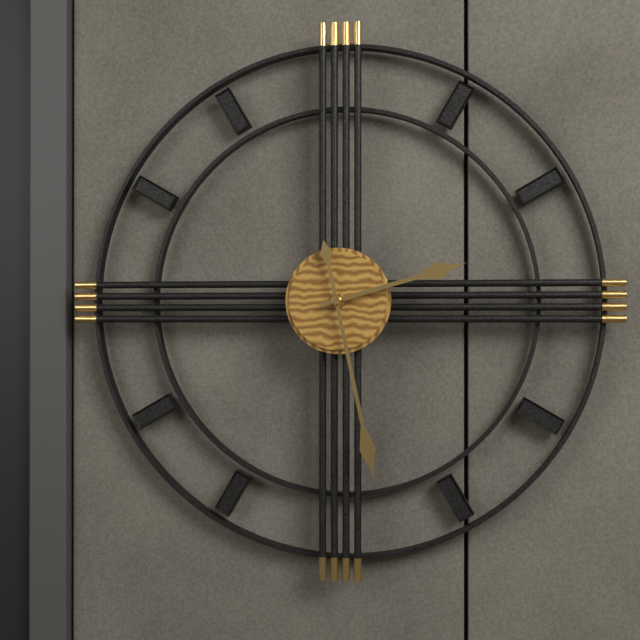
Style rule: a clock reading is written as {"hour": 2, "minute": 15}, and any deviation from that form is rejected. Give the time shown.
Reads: {"hour": 2, "minute": 28}
